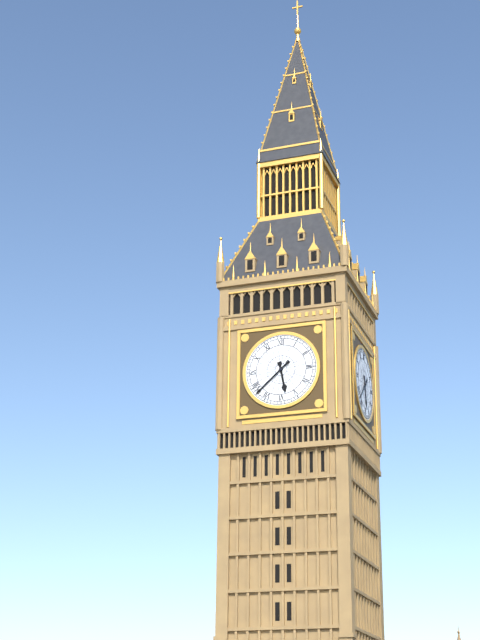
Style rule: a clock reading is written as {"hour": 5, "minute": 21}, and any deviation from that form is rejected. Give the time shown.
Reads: {"hour": 5, "minute": 38}
